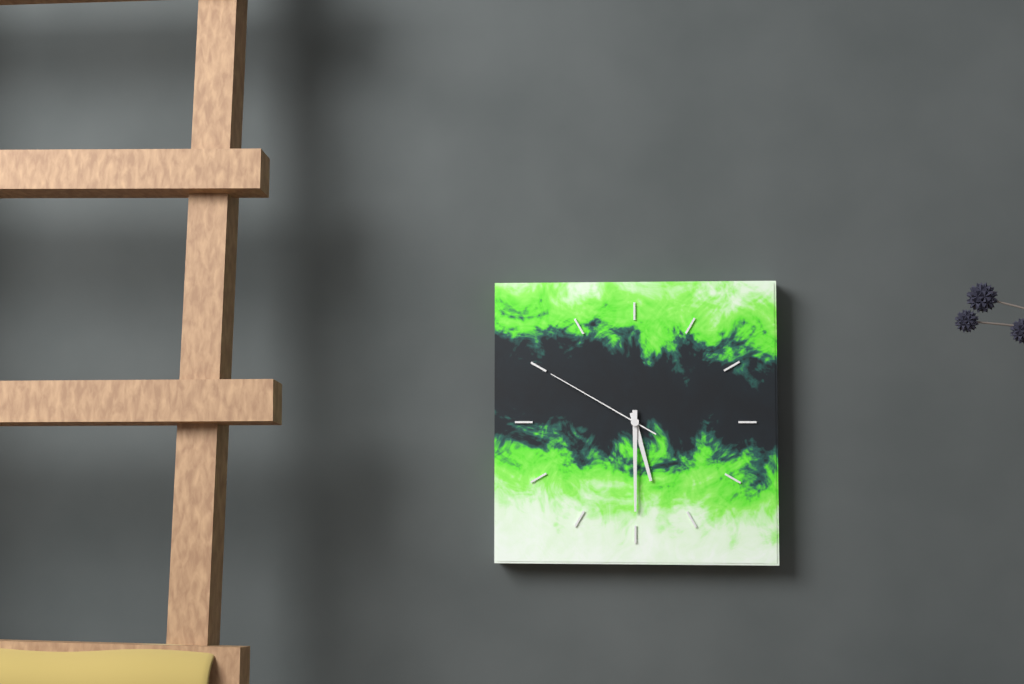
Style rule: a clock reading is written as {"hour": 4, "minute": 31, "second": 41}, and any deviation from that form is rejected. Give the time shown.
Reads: {"hour": 5, "minute": 30, "second": 50}
